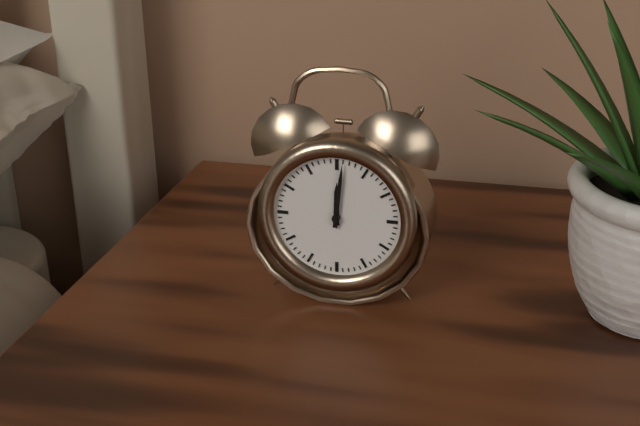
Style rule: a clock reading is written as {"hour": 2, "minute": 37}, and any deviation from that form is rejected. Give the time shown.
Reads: {"hour": 12, "minute": 1}
